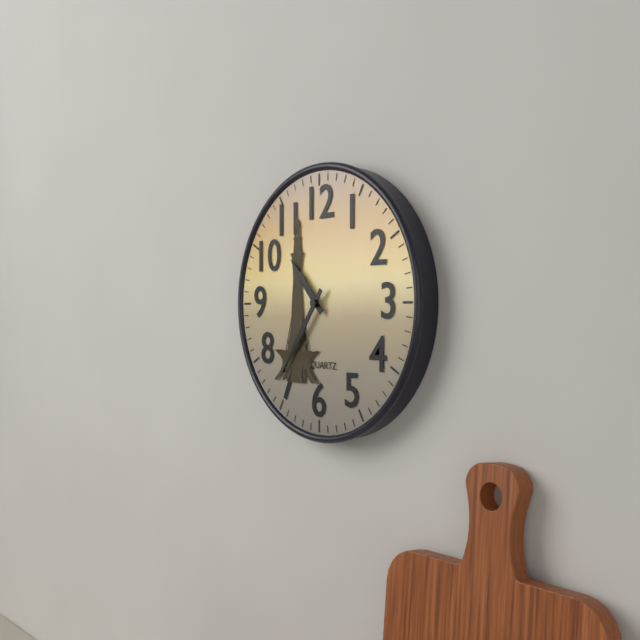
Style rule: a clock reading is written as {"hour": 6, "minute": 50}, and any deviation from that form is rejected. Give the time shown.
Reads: {"hour": 10, "minute": 36}
